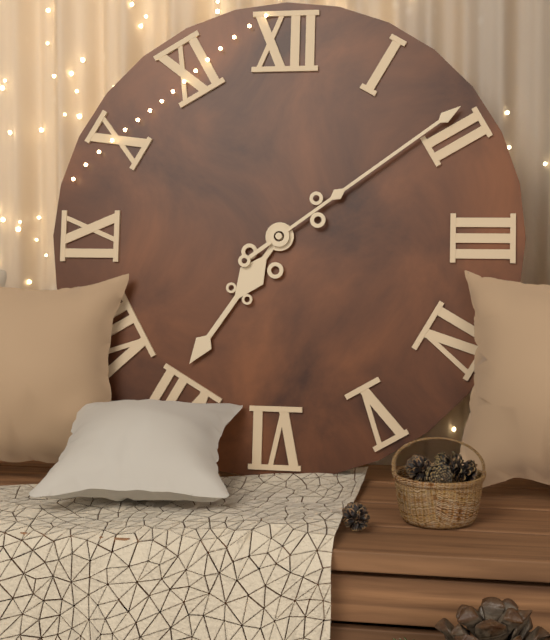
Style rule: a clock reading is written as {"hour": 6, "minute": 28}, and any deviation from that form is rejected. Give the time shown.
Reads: {"hour": 7, "minute": 9}
